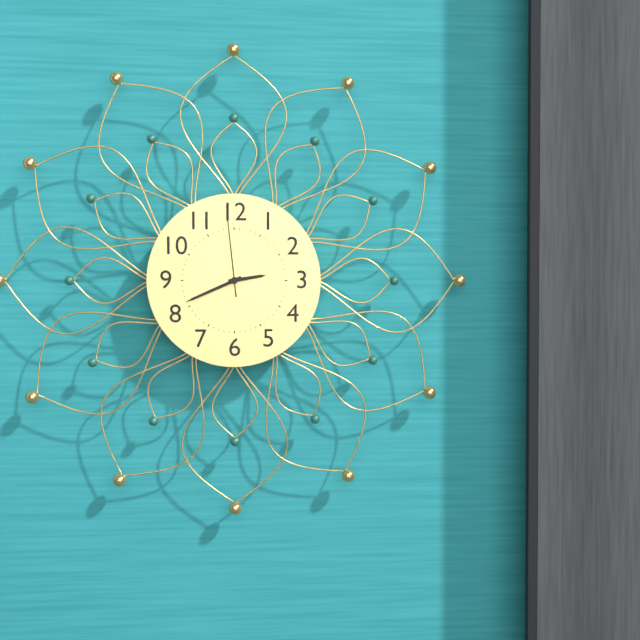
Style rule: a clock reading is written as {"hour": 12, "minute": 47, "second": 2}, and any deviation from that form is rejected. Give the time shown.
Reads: {"hour": 2, "minute": 41, "second": 59}
